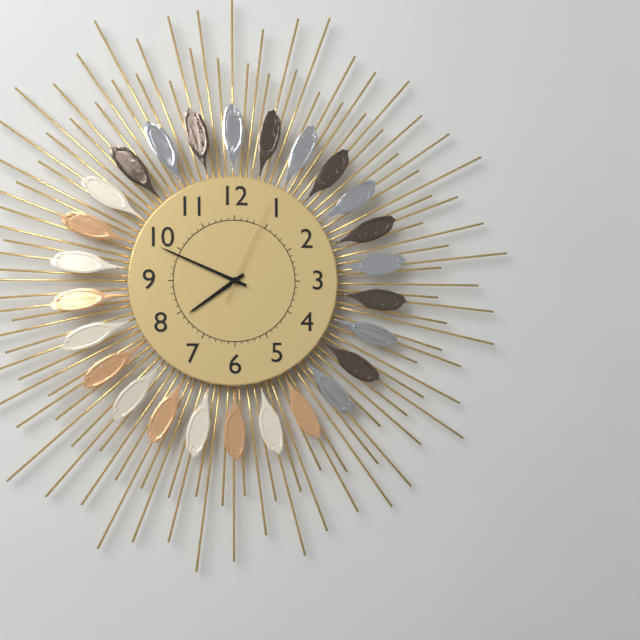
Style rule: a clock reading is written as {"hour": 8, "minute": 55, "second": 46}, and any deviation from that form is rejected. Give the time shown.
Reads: {"hour": 7, "minute": 49, "second": 4}
